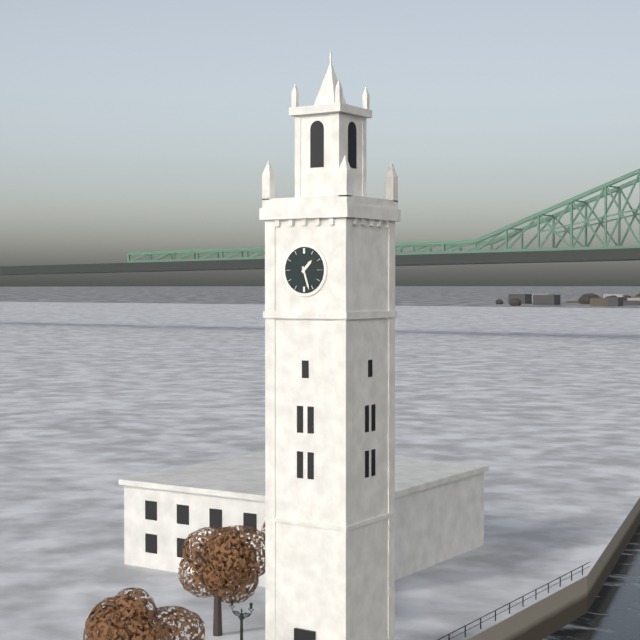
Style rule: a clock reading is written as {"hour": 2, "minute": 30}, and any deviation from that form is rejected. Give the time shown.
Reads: {"hour": 1, "minute": 27}
